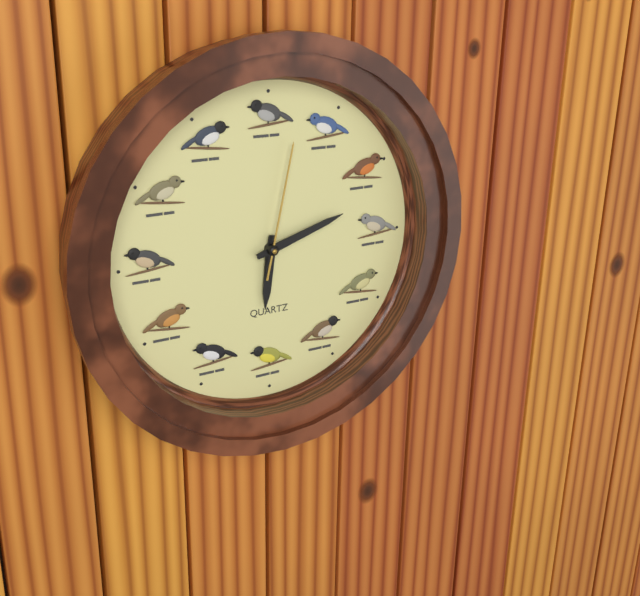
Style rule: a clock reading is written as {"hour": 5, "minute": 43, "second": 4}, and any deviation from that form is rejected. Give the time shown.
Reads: {"hour": 6, "minute": 12, "second": 2}
